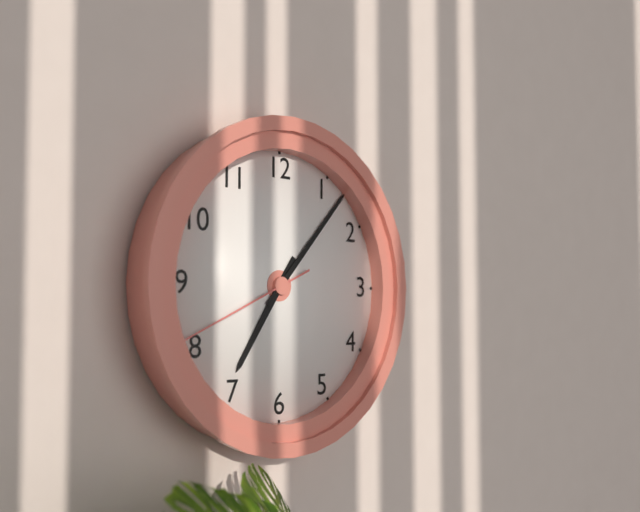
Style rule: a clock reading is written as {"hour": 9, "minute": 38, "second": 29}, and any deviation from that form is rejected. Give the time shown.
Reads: {"hour": 7, "minute": 7, "second": 41}
